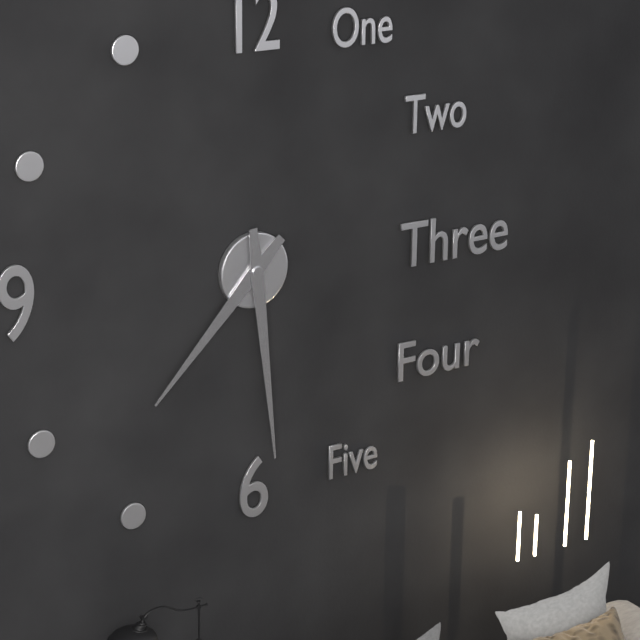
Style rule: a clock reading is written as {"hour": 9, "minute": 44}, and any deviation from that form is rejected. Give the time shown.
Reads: {"hour": 7, "minute": 29}
